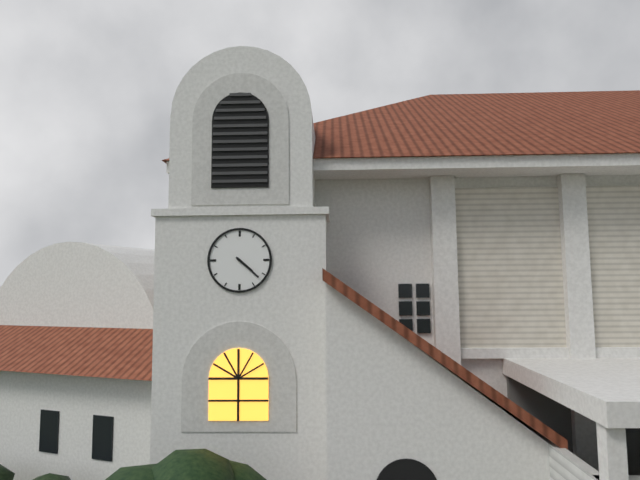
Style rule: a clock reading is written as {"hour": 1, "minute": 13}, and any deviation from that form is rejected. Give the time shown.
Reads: {"hour": 4, "minute": 22}
